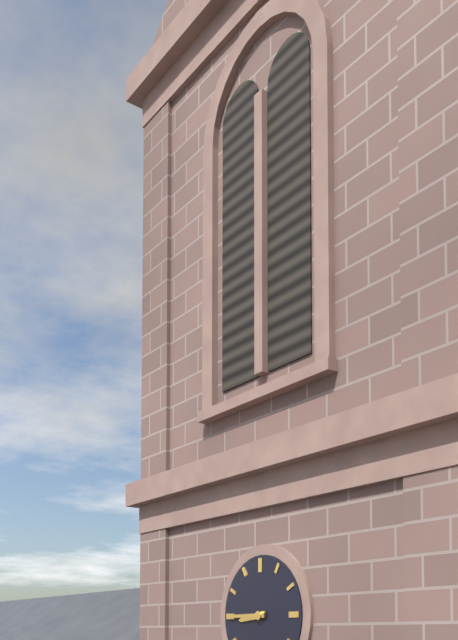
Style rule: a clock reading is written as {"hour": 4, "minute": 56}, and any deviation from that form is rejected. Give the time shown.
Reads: {"hour": 8, "minute": 45}
